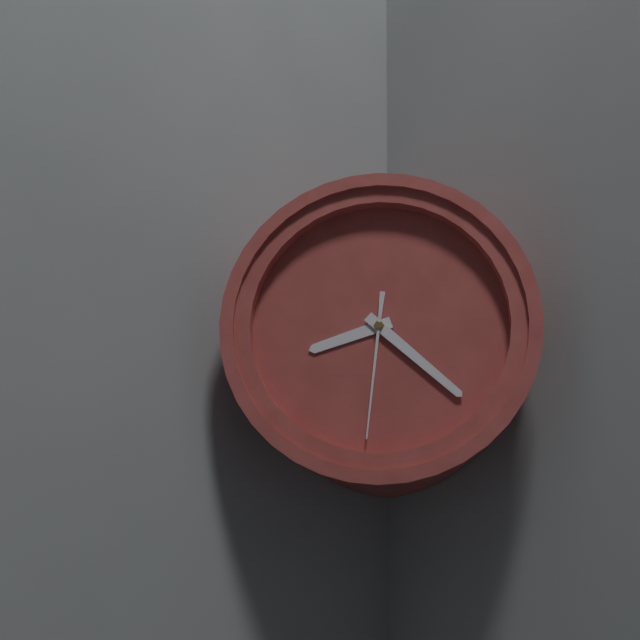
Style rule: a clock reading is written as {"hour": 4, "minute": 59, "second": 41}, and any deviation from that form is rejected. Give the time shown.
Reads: {"hour": 8, "minute": 22, "second": 31}
